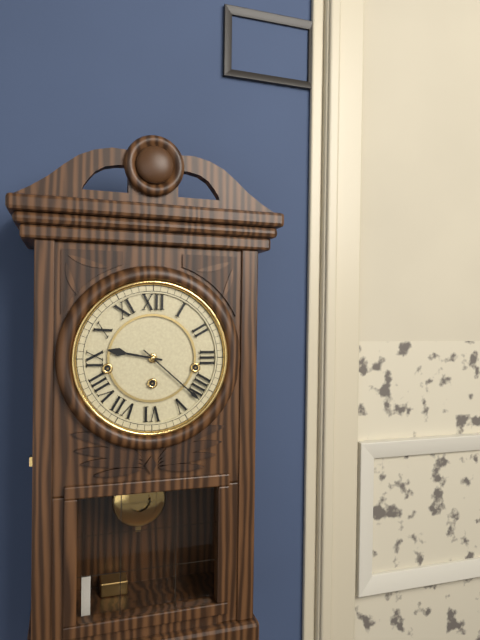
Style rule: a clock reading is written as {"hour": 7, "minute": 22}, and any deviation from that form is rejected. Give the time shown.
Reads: {"hour": 9, "minute": 22}
